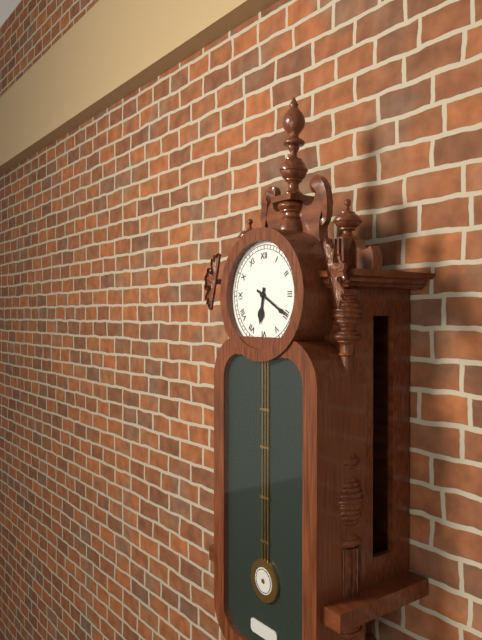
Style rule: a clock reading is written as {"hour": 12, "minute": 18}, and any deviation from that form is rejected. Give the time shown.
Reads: {"hour": 6, "minute": 20}
